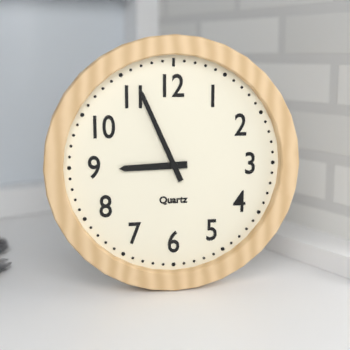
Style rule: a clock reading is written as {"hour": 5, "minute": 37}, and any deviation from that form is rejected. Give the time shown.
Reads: {"hour": 8, "minute": 56}
